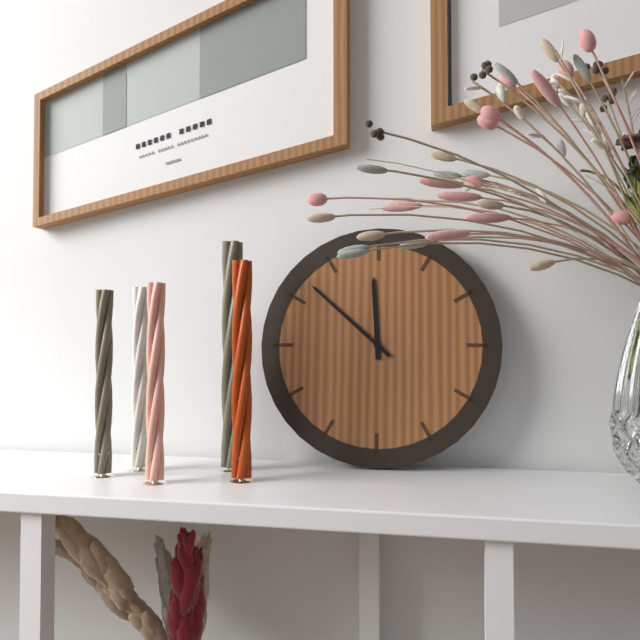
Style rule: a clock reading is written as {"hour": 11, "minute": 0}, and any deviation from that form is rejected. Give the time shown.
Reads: {"hour": 11, "minute": 52}
